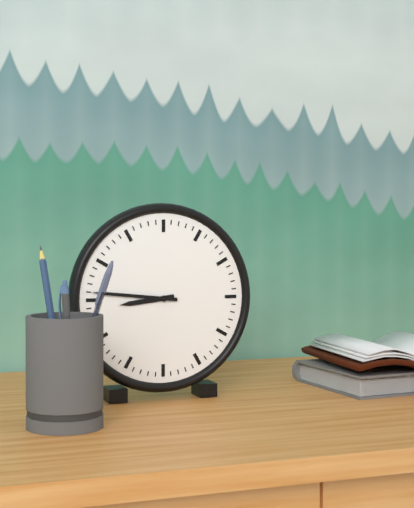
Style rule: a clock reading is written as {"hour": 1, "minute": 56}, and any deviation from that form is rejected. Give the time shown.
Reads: {"hour": 8, "minute": 46}
